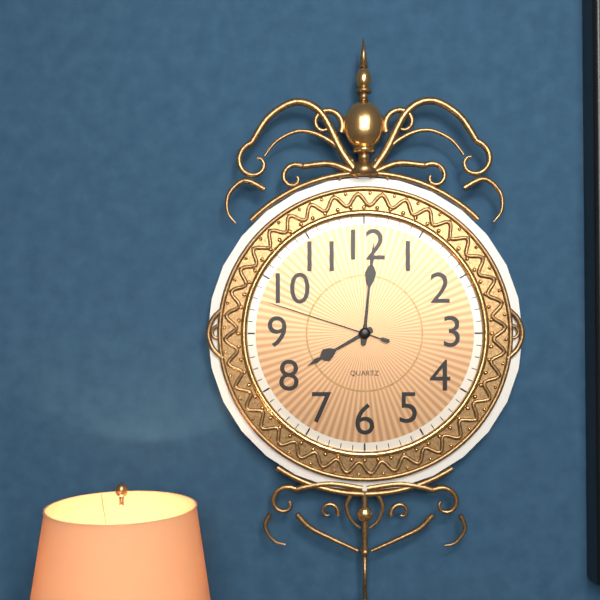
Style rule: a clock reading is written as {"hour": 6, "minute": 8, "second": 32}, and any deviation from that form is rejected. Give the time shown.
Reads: {"hour": 8, "minute": 1, "second": 48}
